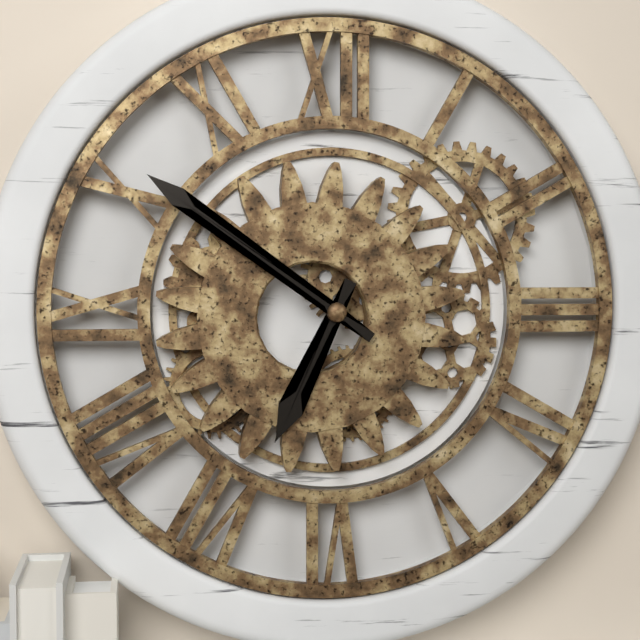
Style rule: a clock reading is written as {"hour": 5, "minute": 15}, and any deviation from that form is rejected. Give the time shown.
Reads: {"hour": 6, "minute": 51}
